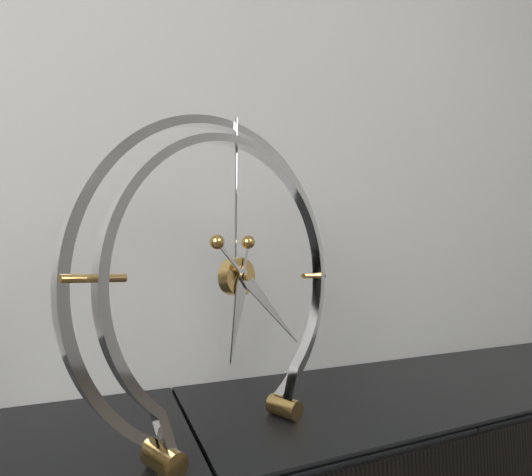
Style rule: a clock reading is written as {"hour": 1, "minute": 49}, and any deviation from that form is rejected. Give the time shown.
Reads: {"hour": 6, "minute": 22}
